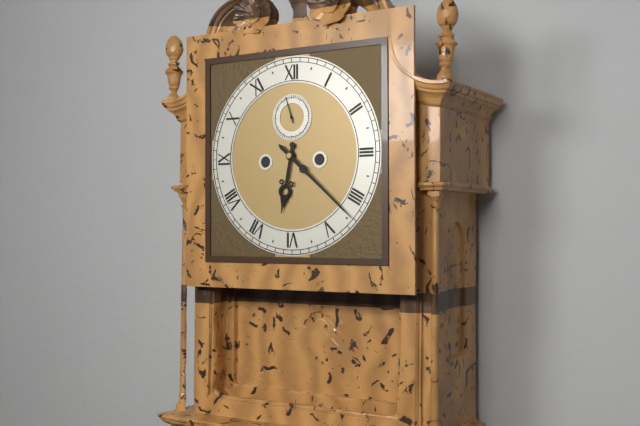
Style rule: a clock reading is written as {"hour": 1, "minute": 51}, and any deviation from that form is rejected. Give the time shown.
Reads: {"hour": 6, "minute": 22}
